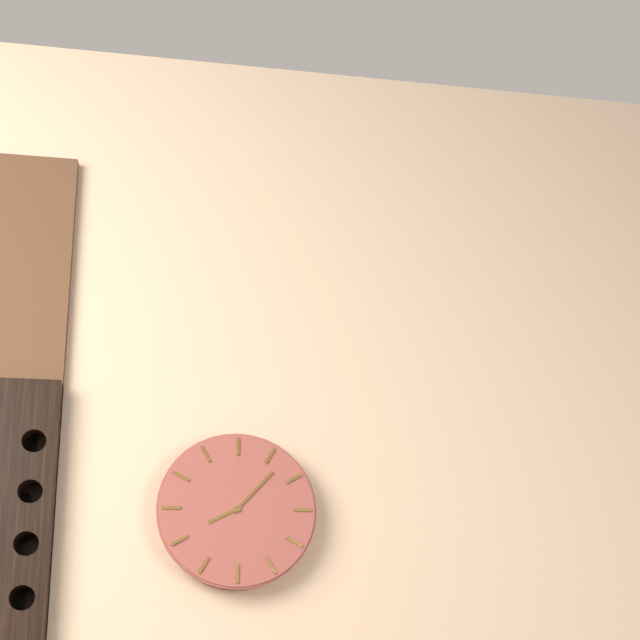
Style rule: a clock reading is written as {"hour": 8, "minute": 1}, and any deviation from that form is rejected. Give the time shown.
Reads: {"hour": 8, "minute": 7}
